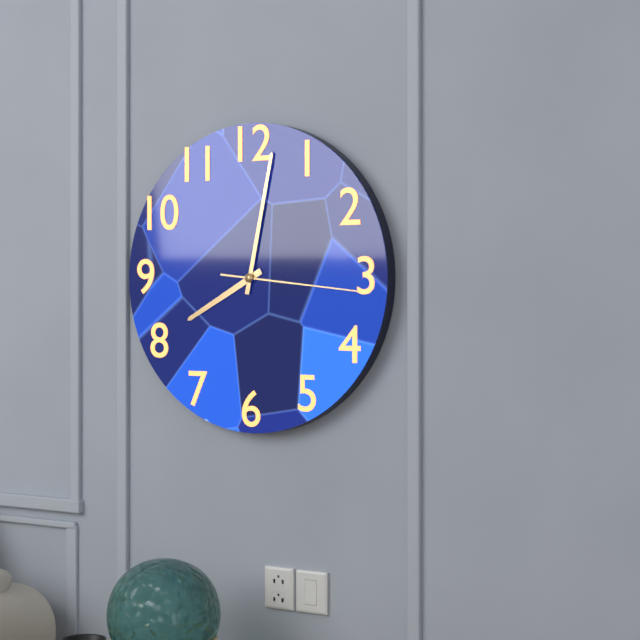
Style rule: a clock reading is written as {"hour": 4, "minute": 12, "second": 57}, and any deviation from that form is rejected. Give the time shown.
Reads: {"hour": 8, "minute": 2, "second": 16}
